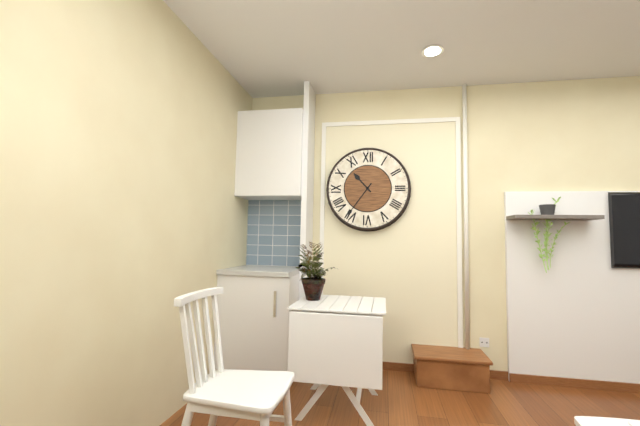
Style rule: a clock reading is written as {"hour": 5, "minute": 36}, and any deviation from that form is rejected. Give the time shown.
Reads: {"hour": 10, "minute": 36}
